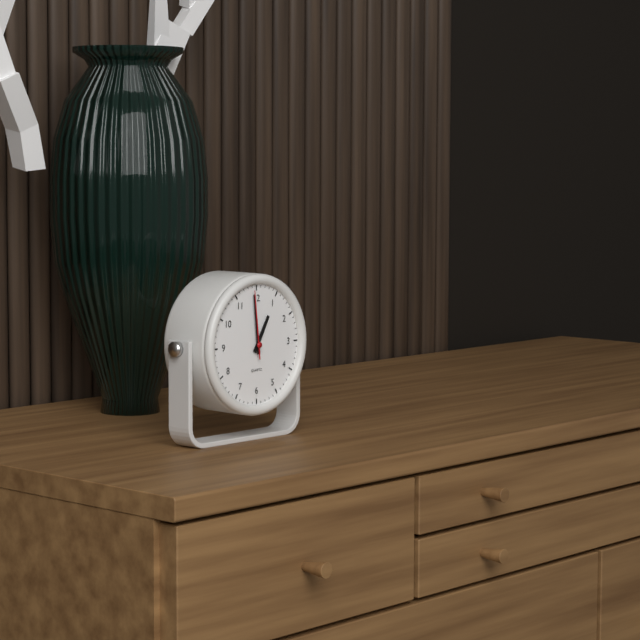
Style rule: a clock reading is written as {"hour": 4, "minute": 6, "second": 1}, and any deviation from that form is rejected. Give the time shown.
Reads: {"hour": 12, "minute": 59, "second": 59}
